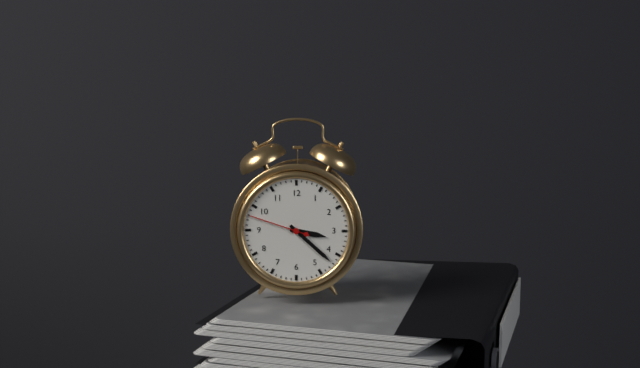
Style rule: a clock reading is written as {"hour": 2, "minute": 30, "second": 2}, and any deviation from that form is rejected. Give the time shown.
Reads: {"hour": 3, "minute": 22, "second": 48}
